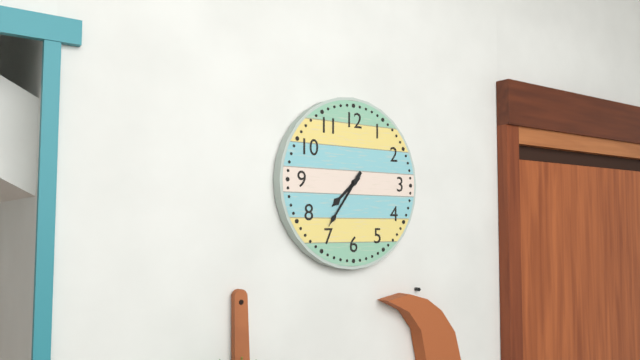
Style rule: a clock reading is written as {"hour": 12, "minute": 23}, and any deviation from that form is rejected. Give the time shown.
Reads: {"hour": 7, "minute": 36}
